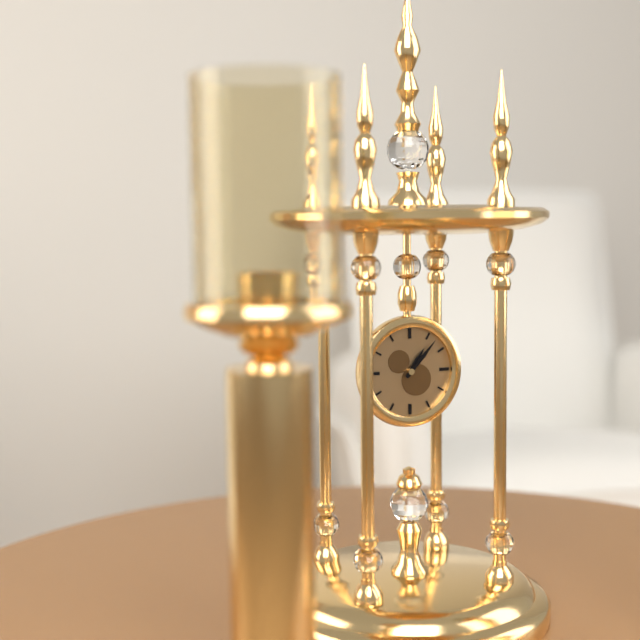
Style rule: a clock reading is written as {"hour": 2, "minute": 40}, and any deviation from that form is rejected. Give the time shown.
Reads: {"hour": 1, "minute": 7}
